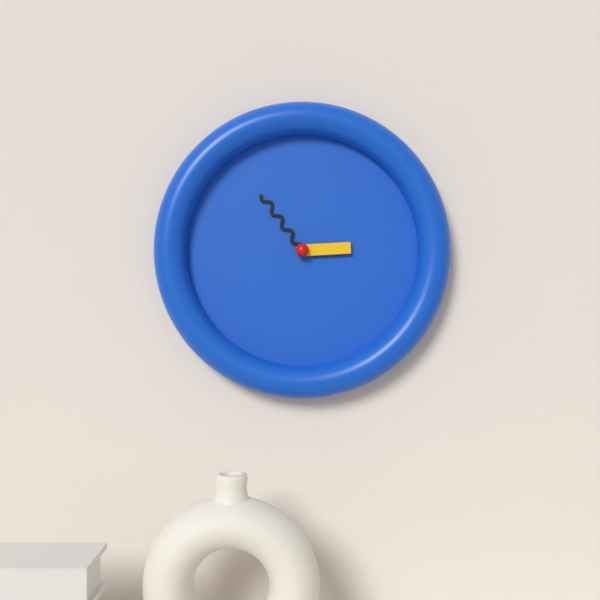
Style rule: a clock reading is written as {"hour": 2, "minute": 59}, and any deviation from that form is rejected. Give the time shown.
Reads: {"hour": 2, "minute": 54}
